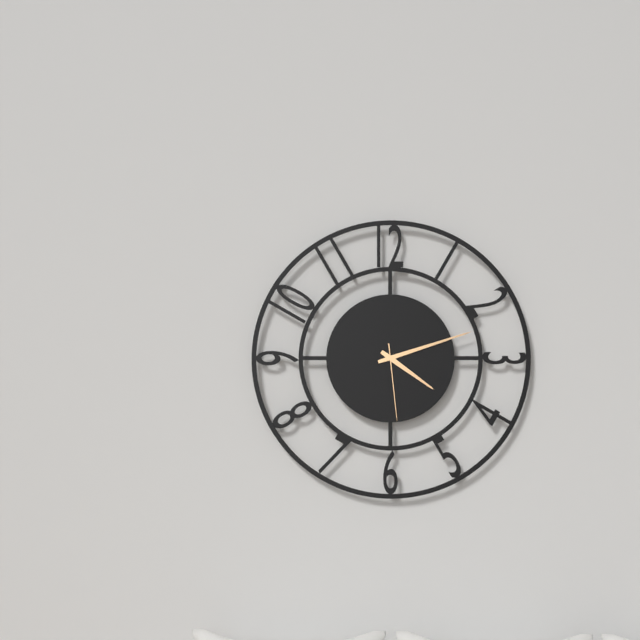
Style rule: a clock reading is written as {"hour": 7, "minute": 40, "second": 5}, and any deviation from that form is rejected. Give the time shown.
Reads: {"hour": 4, "minute": 12, "second": 29}
